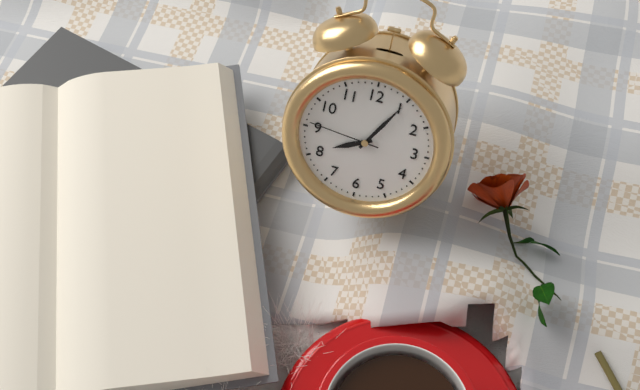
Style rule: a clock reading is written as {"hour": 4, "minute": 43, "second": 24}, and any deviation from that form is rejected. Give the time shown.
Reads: {"hour": 8, "minute": 5, "second": 46}
